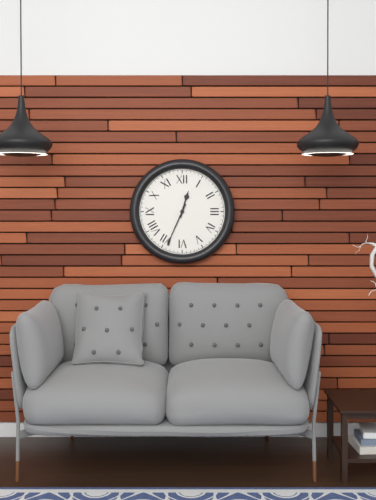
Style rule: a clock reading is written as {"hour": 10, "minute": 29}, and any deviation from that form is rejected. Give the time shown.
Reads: {"hour": 12, "minute": 34}
